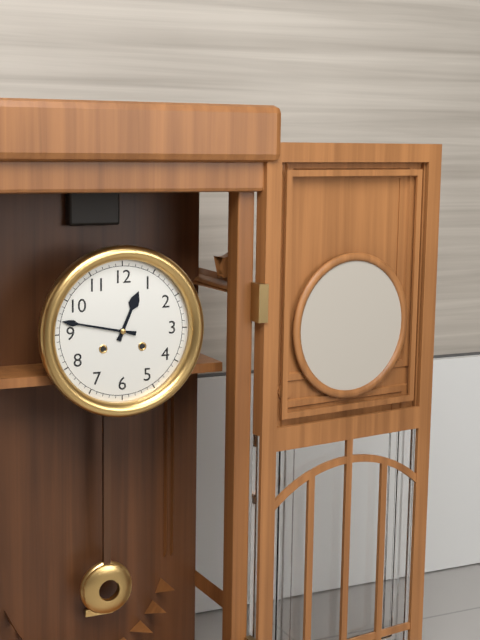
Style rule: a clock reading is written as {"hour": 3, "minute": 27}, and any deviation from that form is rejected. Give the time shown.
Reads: {"hour": 12, "minute": 47}
